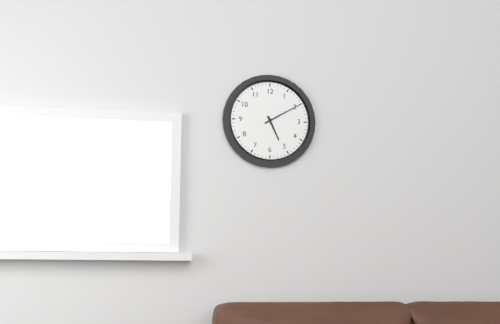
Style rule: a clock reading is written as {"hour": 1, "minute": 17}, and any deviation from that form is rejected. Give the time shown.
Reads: {"hour": 5, "minute": 10}
